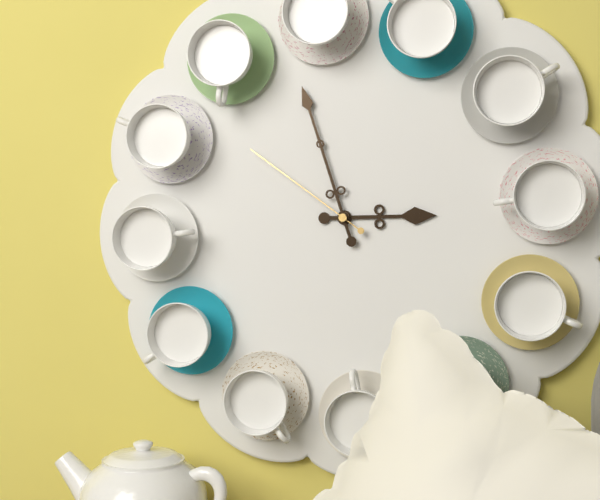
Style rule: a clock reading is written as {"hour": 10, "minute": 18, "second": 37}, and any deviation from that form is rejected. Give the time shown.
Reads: {"hour": 2, "minute": 57, "second": 51}
